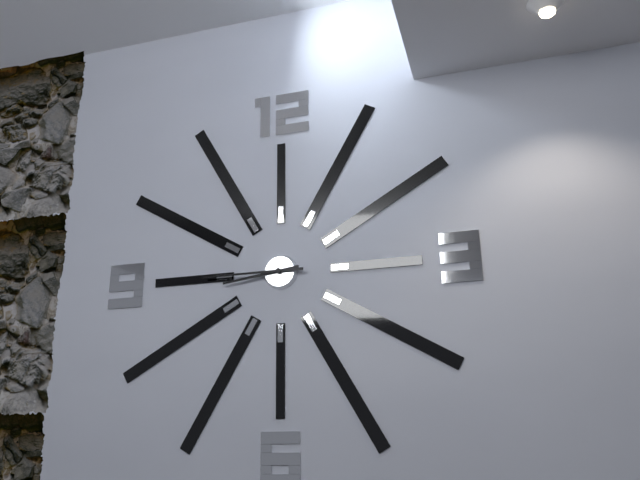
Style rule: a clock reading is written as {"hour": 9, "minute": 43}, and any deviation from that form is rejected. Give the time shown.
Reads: {"hour": 8, "minute": 45}
